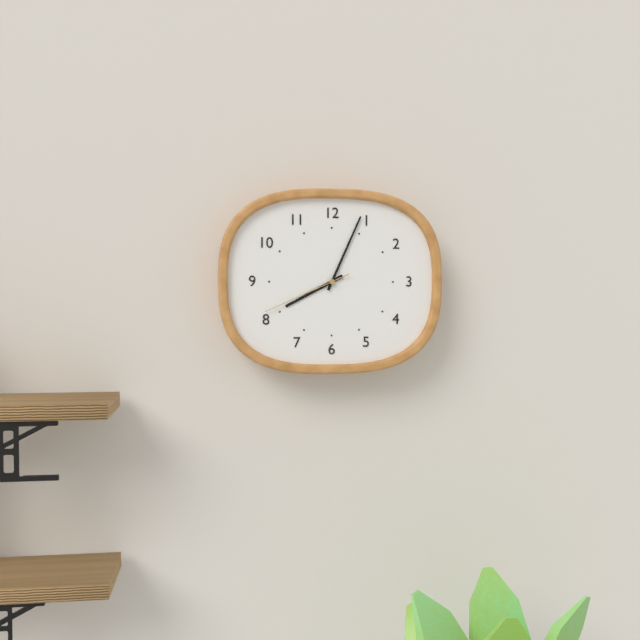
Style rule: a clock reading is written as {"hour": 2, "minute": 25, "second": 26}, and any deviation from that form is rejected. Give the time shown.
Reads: {"hour": 8, "minute": 4, "second": 41}
